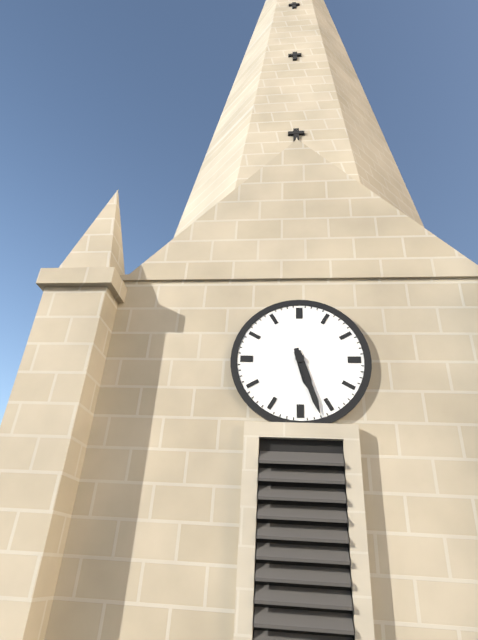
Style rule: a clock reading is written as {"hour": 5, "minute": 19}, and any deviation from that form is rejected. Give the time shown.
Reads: {"hour": 5, "minute": 27}
